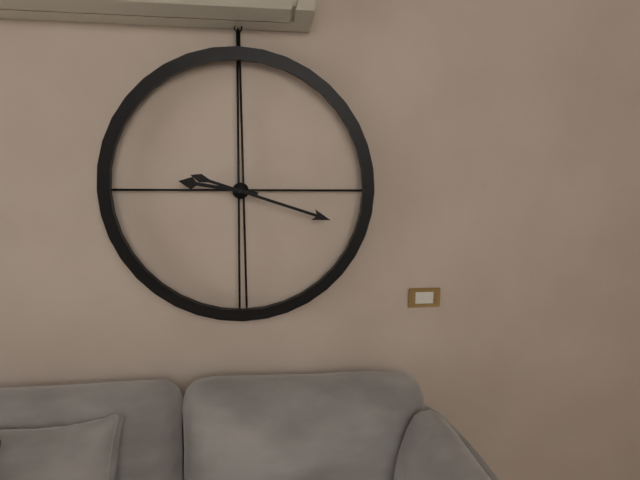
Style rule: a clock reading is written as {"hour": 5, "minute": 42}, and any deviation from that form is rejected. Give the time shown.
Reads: {"hour": 9, "minute": 18}
